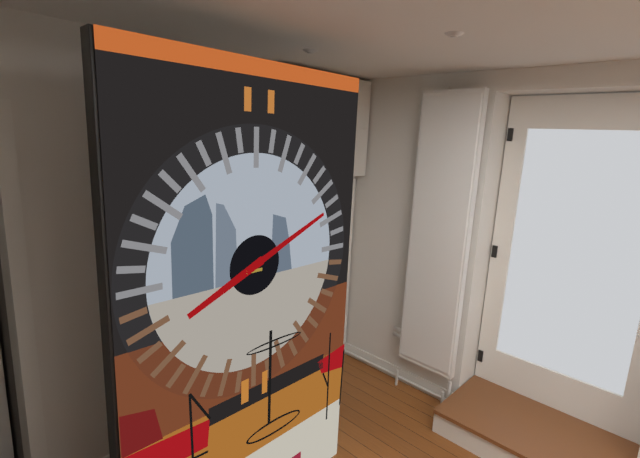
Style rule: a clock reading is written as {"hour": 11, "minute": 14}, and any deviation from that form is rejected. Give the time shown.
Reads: {"hour": 8, "minute": 11}
